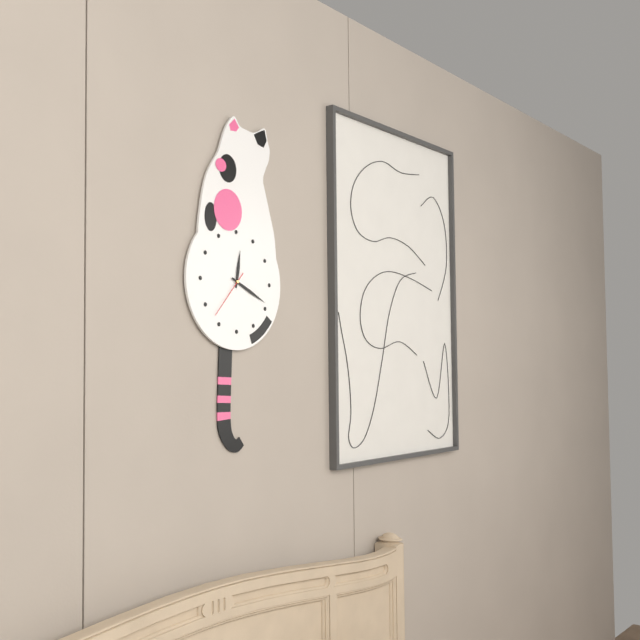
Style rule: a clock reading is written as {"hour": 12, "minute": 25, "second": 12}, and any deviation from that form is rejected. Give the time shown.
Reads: {"hour": 12, "minute": 19, "second": 37}
